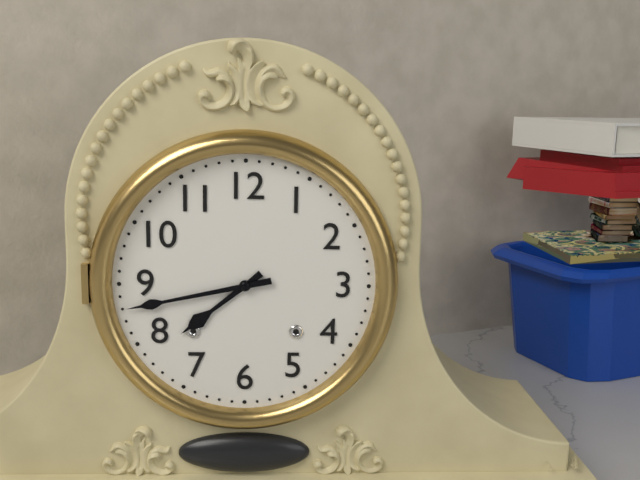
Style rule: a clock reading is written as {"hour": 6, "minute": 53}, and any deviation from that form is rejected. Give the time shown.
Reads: {"hour": 7, "minute": 43}
